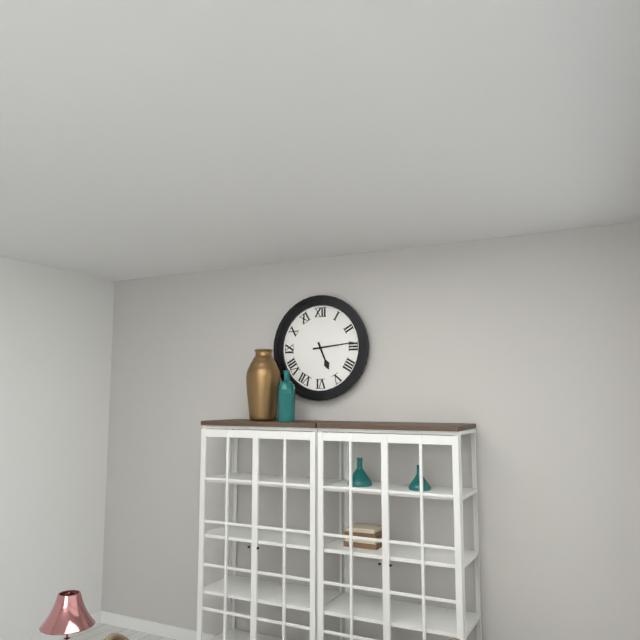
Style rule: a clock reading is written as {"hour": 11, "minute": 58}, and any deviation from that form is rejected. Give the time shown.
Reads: {"hour": 5, "minute": 14}
